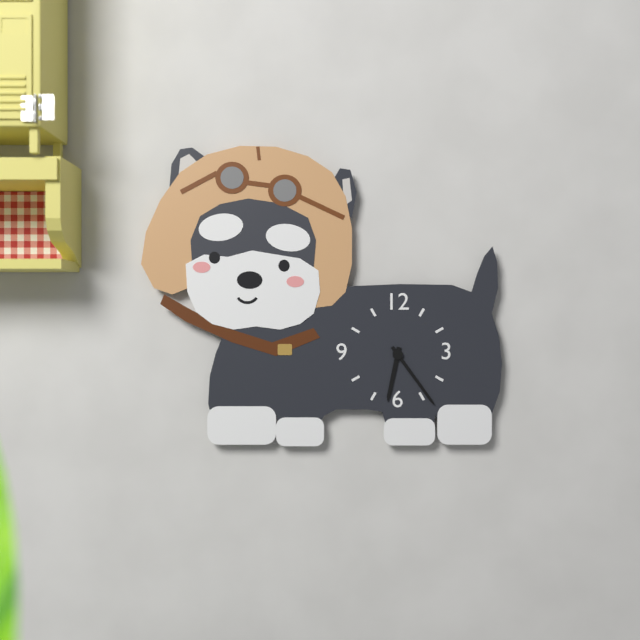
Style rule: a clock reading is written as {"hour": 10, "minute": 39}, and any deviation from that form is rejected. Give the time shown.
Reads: {"hour": 6, "minute": 24}
